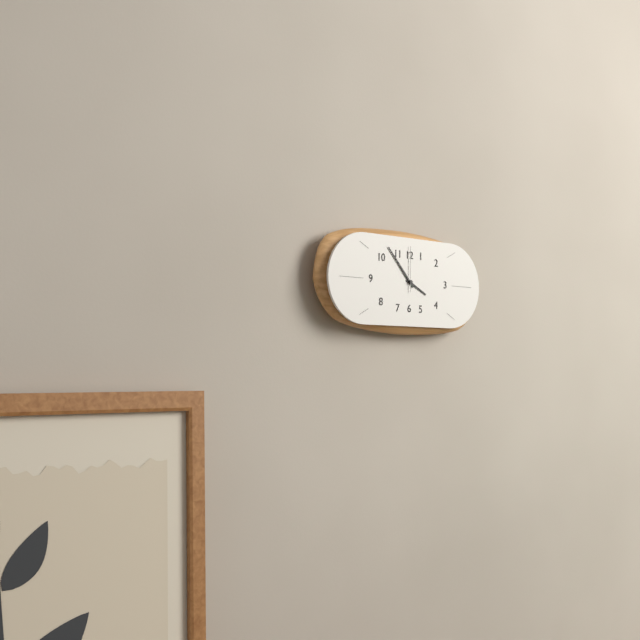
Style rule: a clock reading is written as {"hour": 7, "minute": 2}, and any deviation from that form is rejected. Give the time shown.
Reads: {"hour": 3, "minute": 53}
